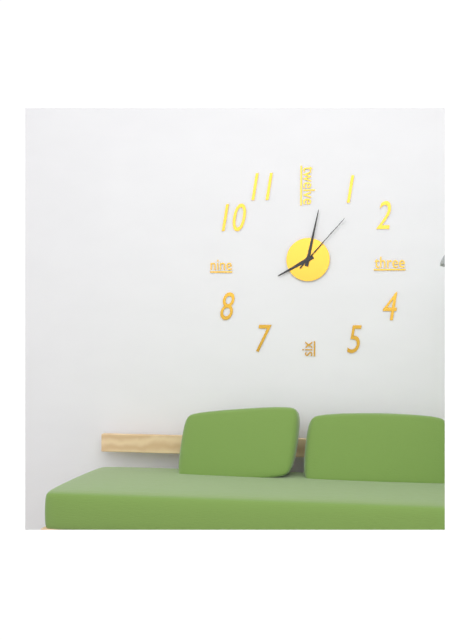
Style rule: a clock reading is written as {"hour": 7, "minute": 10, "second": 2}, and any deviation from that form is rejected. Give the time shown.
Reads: {"hour": 8, "minute": 2, "second": 7}
